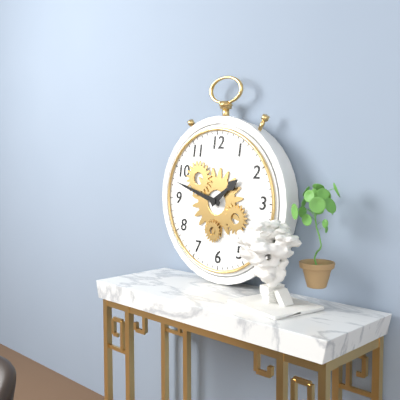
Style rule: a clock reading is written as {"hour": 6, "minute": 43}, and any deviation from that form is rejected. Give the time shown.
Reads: {"hour": 1, "minute": 48}
